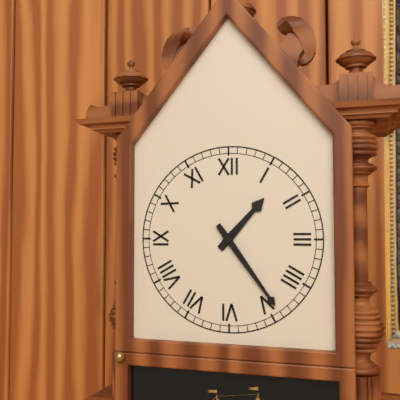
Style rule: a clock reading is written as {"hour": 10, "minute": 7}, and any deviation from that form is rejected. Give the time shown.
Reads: {"hour": 1, "minute": 24}
